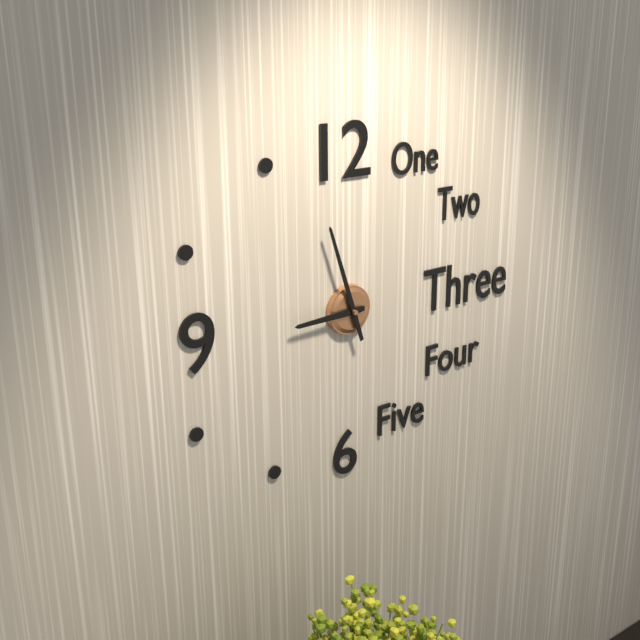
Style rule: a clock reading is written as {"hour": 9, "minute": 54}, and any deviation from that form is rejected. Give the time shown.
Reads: {"hour": 8, "minute": 57}
